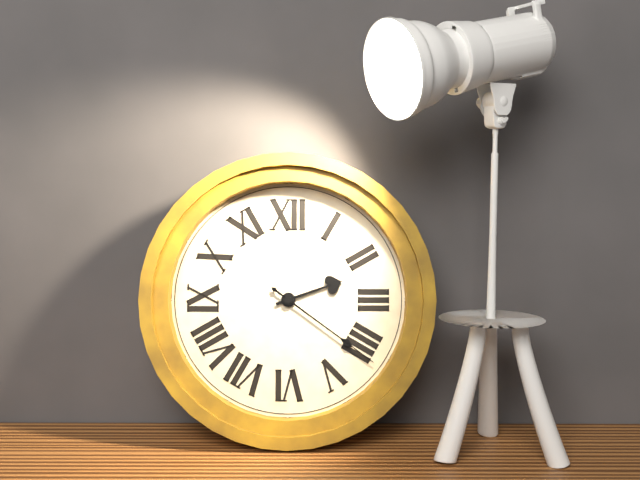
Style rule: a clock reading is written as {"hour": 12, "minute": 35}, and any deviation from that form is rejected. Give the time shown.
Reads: {"hour": 2, "minute": 21}
